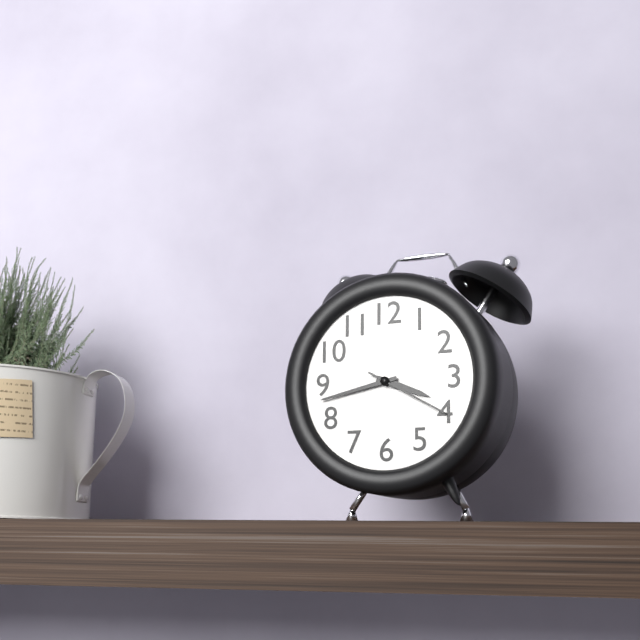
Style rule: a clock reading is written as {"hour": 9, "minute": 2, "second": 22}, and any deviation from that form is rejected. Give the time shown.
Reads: {"hour": 3, "minute": 43, "second": 20}
